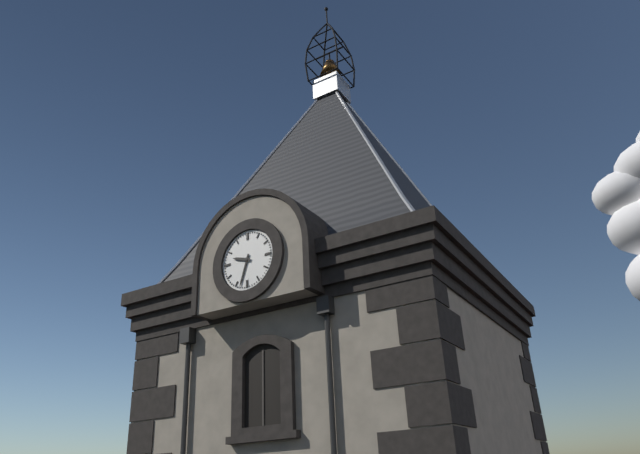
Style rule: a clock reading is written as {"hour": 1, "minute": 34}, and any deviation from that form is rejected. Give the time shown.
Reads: {"hour": 9, "minute": 33}
